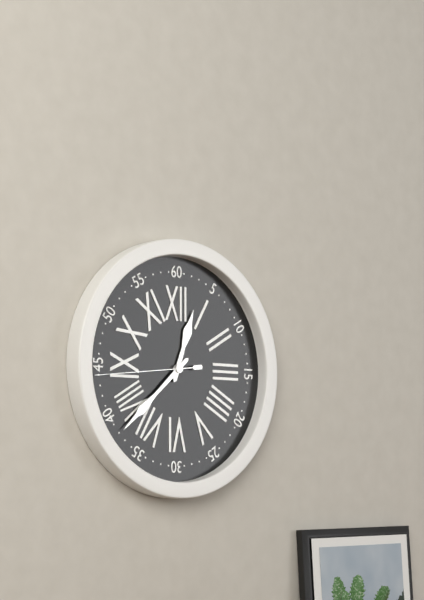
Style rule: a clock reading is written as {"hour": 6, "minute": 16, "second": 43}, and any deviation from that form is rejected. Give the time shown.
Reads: {"hour": 12, "minute": 38, "second": 44}
